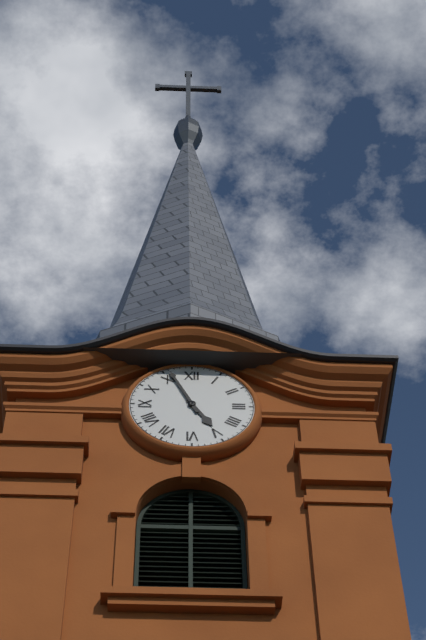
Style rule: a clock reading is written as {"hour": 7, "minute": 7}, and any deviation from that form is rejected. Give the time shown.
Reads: {"hour": 4, "minute": 56}
